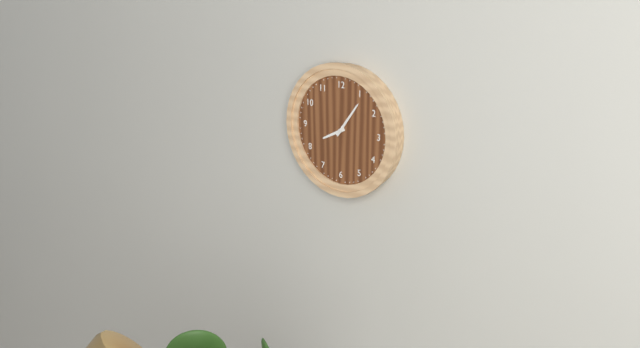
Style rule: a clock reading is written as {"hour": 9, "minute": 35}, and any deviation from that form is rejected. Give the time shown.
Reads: {"hour": 8, "minute": 6}
